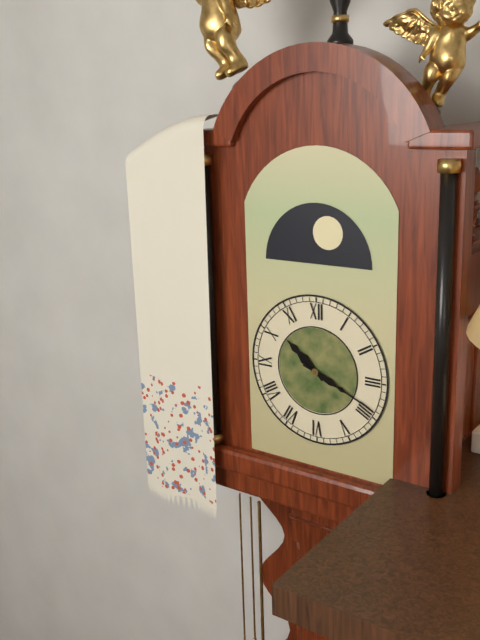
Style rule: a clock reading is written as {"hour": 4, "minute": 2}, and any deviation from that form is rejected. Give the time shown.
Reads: {"hour": 10, "minute": 19}
